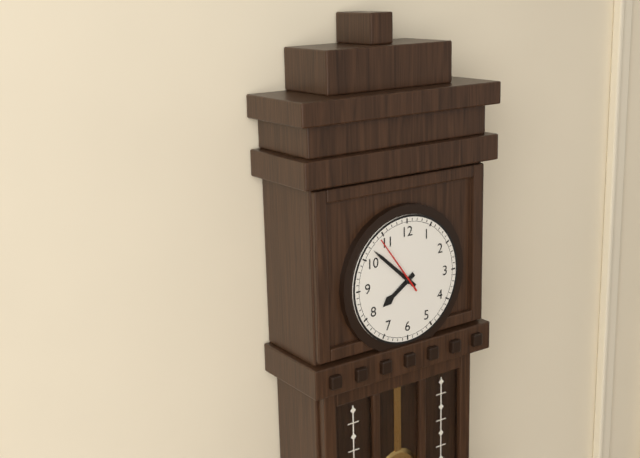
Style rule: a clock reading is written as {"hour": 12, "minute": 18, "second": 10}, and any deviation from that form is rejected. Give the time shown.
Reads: {"hour": 7, "minute": 52, "second": 54}
